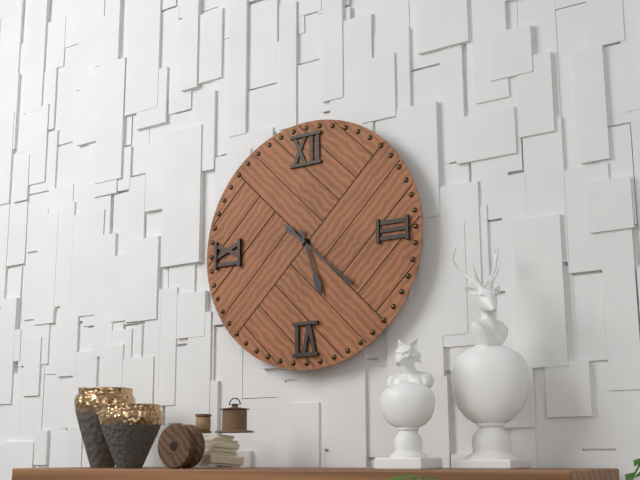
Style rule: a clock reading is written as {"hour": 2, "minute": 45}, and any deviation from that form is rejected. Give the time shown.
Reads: {"hour": 5, "minute": 22}
